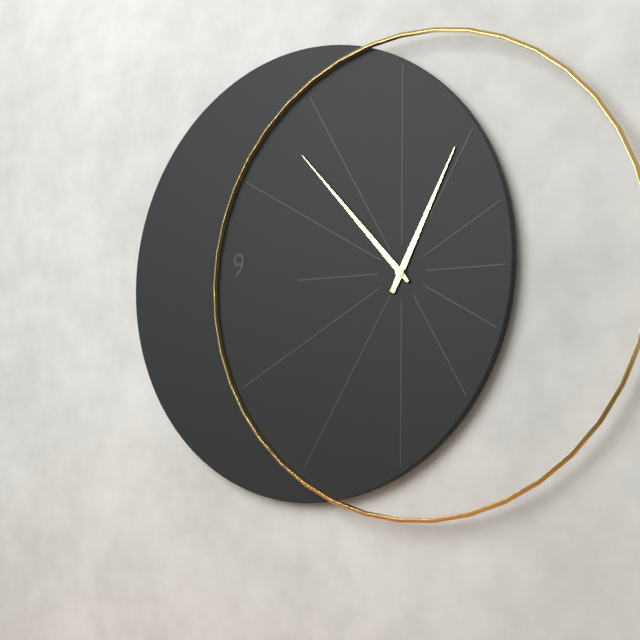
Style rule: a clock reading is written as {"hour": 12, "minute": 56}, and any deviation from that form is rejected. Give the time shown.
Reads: {"hour": 12, "minute": 53}
